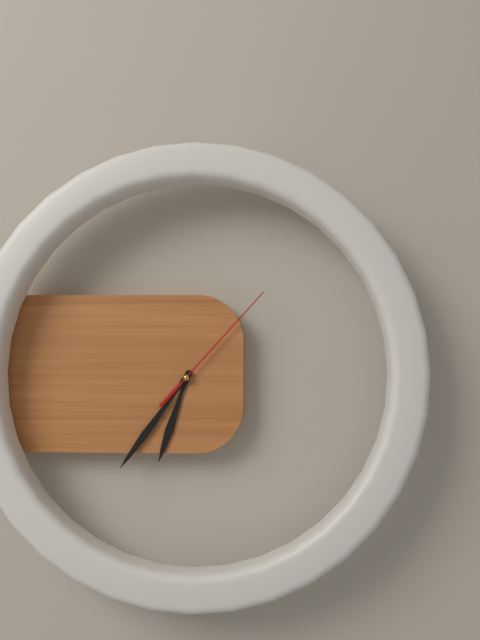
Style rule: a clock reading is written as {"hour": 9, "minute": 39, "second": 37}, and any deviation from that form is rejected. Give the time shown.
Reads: {"hour": 6, "minute": 36, "second": 7}
